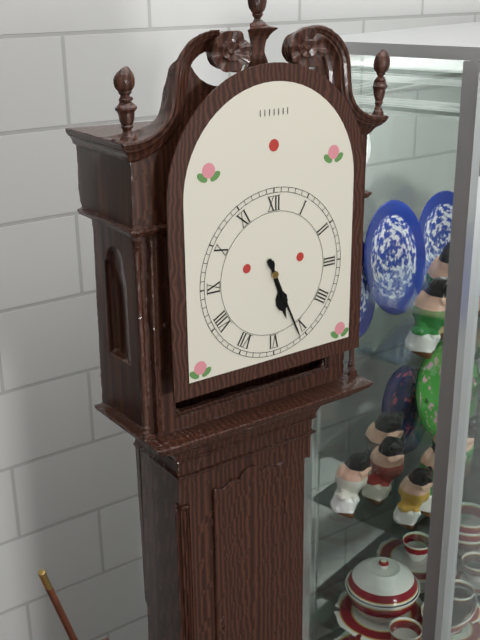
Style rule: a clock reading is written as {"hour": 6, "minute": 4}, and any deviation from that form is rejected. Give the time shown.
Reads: {"hour": 5, "minute": 26}
